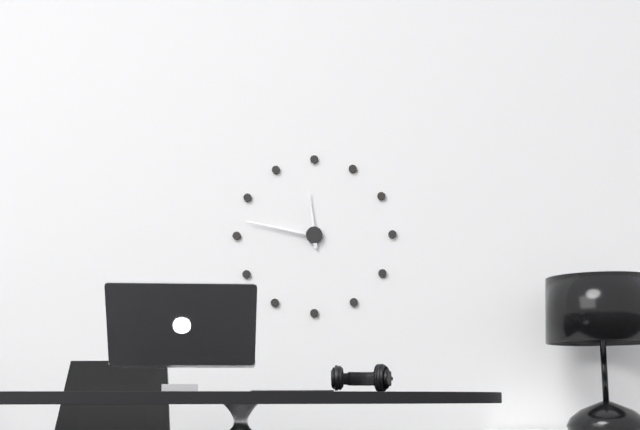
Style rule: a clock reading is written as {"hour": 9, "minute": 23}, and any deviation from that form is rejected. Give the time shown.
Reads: {"hour": 11, "minute": 47}
